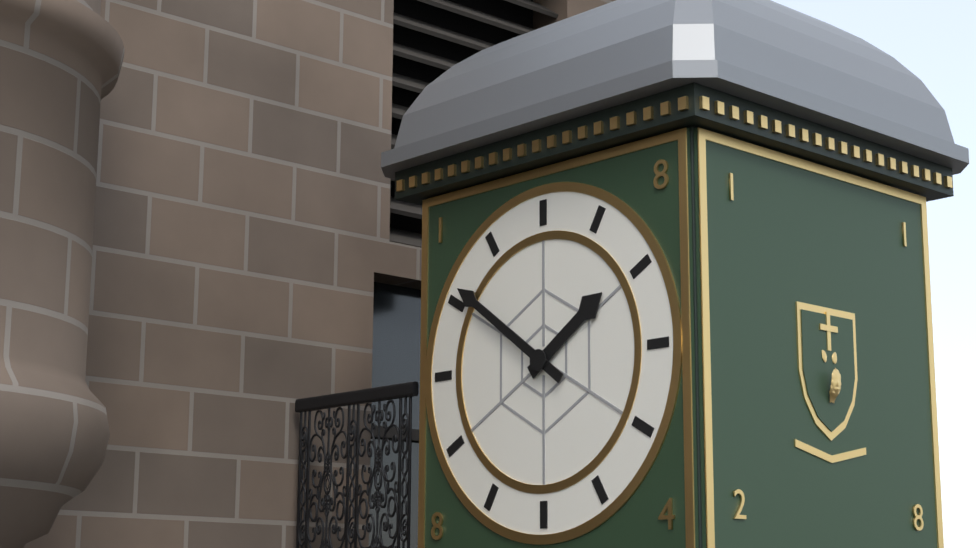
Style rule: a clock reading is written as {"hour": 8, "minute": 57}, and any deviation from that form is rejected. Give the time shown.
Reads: {"hour": 1, "minute": 51}
